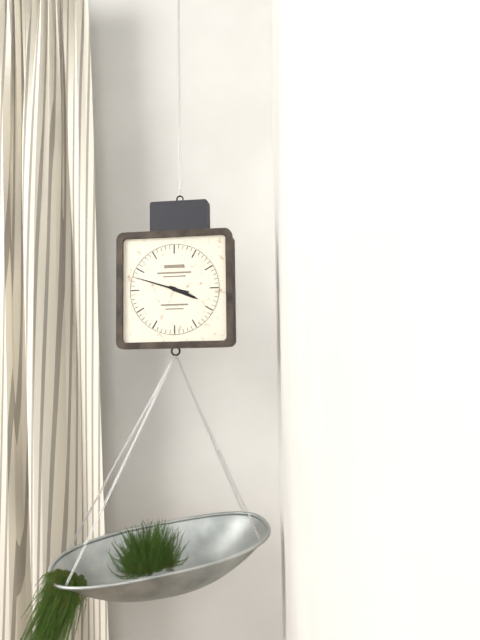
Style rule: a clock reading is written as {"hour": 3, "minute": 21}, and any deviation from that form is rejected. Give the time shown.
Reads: {"hour": 3, "minute": 48}
